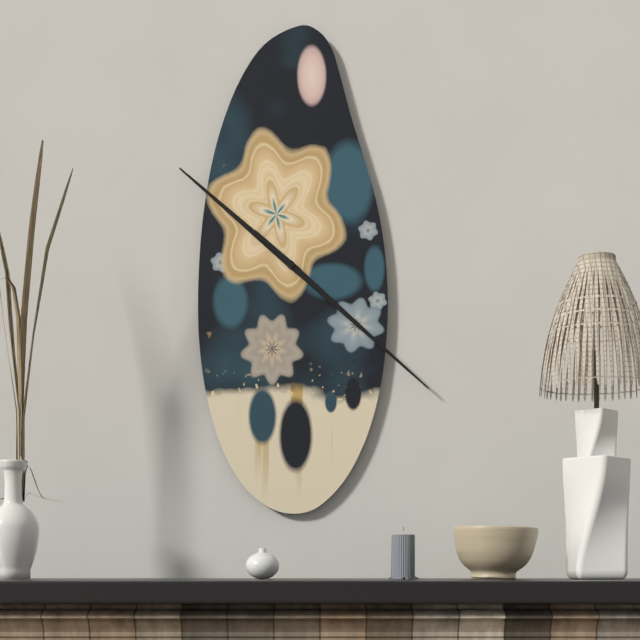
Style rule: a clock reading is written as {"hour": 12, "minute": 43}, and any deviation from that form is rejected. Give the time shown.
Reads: {"hour": 10, "minute": 22}
